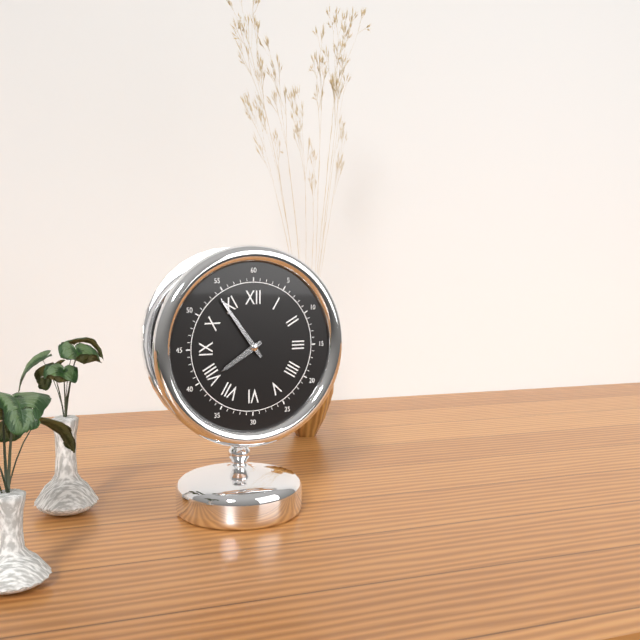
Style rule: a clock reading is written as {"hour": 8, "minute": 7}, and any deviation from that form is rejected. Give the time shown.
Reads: {"hour": 7, "minute": 54}
